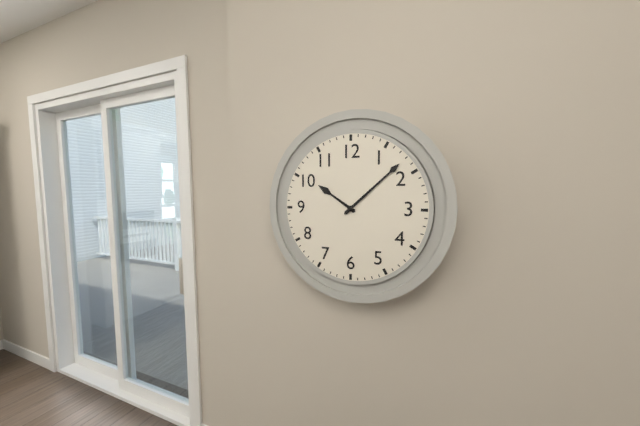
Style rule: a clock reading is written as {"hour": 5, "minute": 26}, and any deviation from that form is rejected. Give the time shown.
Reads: {"hour": 10, "minute": 8}
